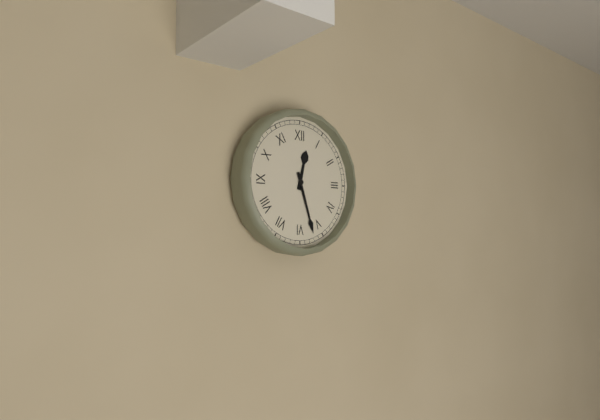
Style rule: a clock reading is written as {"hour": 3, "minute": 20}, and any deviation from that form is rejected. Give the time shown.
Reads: {"hour": 12, "minute": 27}
